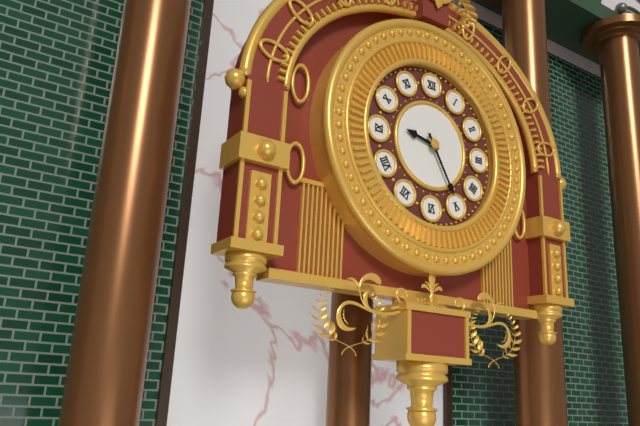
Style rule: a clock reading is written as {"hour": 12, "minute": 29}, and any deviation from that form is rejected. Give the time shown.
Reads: {"hour": 9, "minute": 25}
